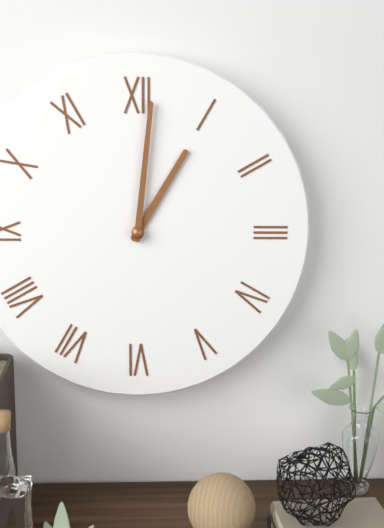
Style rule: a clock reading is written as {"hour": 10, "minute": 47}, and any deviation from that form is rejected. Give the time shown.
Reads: {"hour": 1, "minute": 1}
